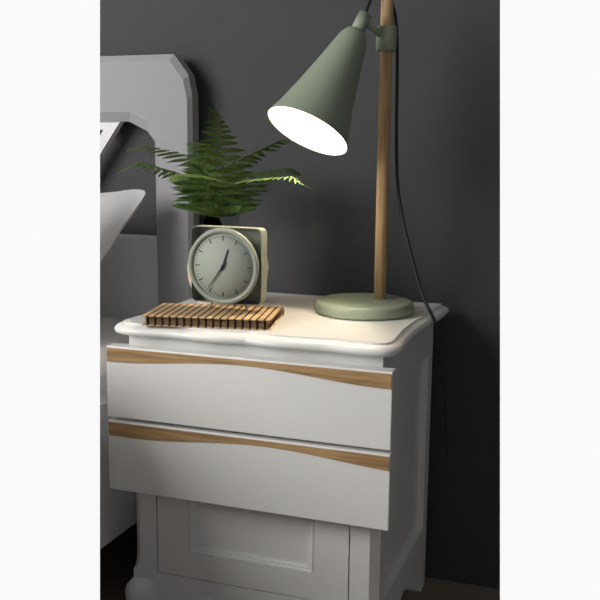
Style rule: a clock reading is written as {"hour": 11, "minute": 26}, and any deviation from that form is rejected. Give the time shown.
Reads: {"hour": 12, "minute": 36}
